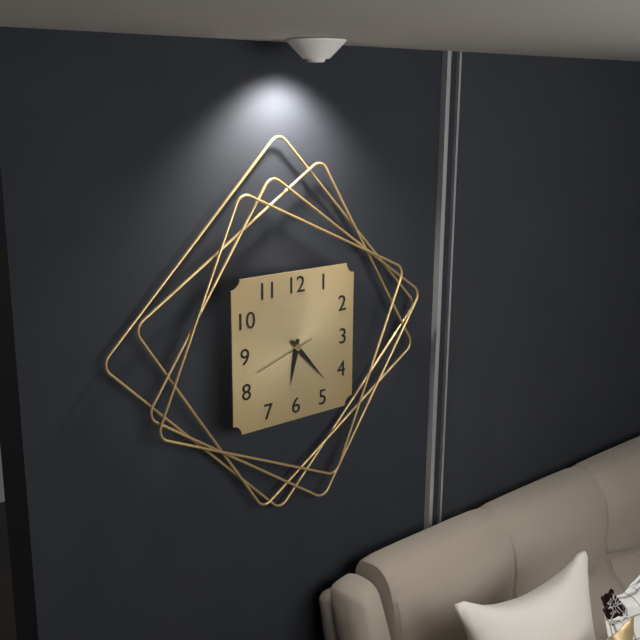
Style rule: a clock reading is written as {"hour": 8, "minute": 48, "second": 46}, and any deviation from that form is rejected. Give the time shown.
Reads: {"hour": 6, "minute": 23, "second": 42}
